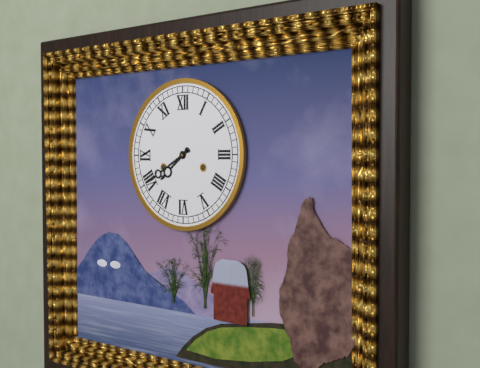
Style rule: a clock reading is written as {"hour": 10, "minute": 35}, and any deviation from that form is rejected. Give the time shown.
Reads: {"hour": 7, "minute": 40}
